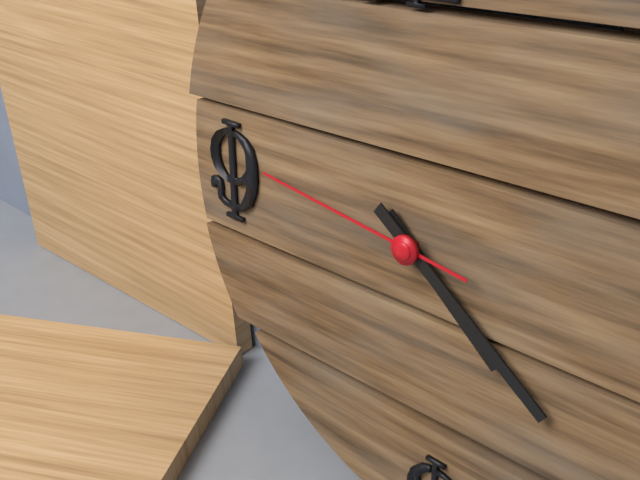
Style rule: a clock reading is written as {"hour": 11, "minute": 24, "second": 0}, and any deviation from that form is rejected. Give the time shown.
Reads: {"hour": 4, "minute": 21, "second": 46}
